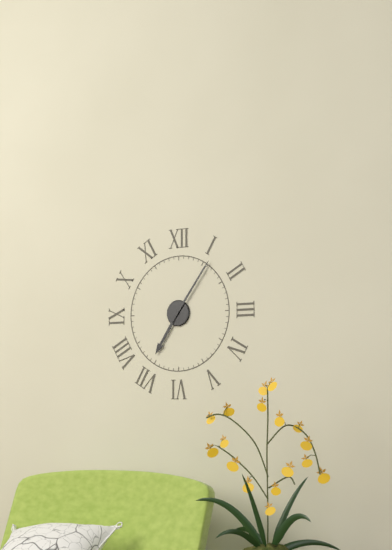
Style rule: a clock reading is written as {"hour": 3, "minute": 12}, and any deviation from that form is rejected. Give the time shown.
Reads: {"hour": 7, "minute": 6}
